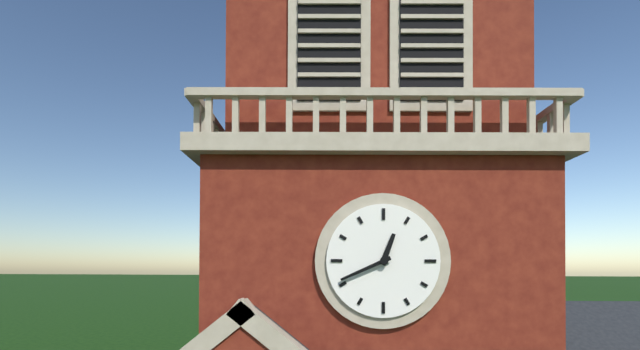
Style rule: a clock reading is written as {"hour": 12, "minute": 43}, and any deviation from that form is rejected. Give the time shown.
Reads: {"hour": 12, "minute": 41}
